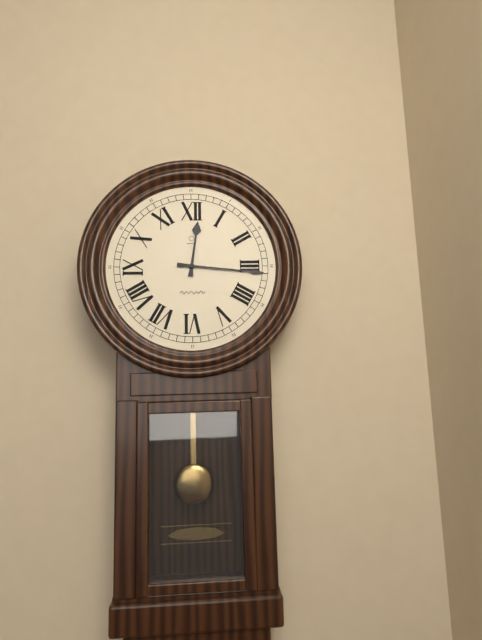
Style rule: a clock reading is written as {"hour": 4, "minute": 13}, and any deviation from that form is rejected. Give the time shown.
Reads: {"hour": 12, "minute": 16}
